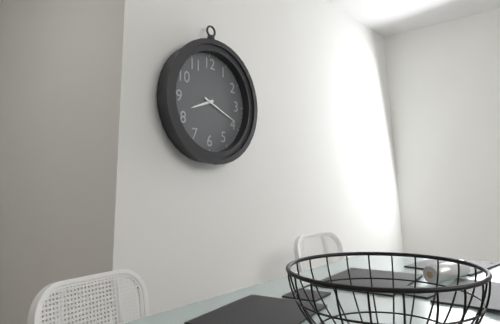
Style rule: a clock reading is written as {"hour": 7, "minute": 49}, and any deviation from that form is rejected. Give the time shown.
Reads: {"hour": 8, "minute": 19}
